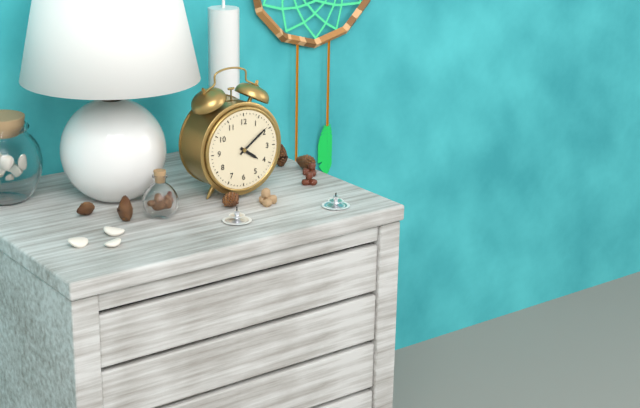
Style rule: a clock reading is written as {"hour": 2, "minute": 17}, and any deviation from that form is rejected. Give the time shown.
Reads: {"hour": 4, "minute": 9}
